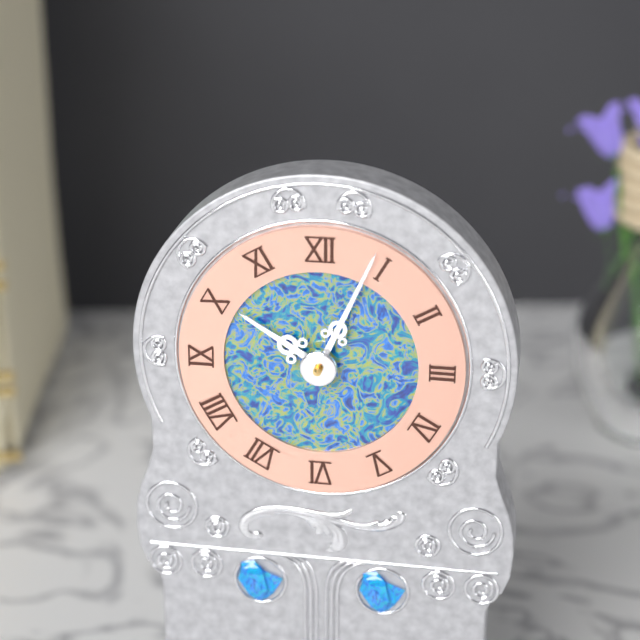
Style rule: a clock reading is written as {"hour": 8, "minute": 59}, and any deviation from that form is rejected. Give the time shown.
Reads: {"hour": 10, "minute": 4}
